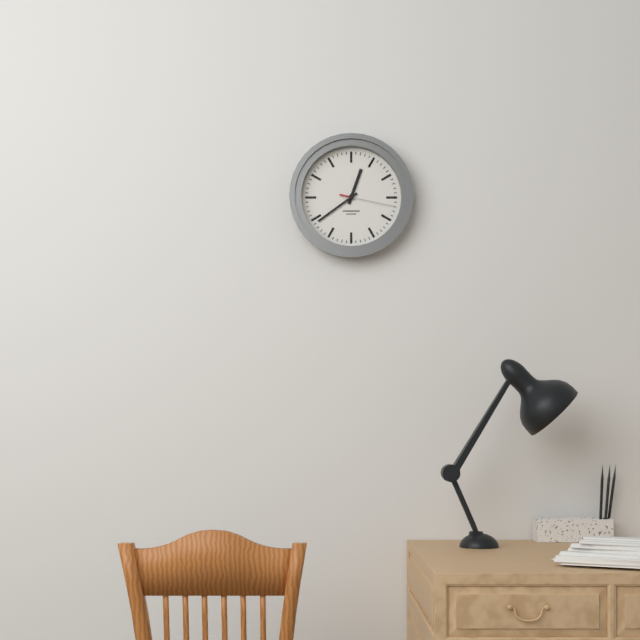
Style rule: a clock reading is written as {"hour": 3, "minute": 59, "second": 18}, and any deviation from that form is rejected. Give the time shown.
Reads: {"hour": 12, "minute": 39, "second": 17}
